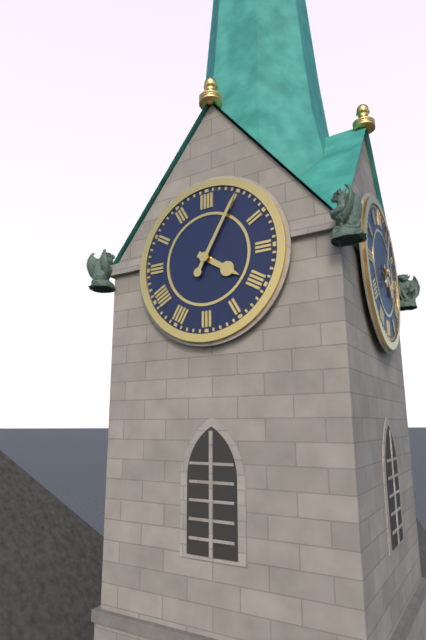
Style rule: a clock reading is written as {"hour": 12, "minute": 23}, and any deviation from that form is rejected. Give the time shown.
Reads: {"hour": 4, "minute": 5}
